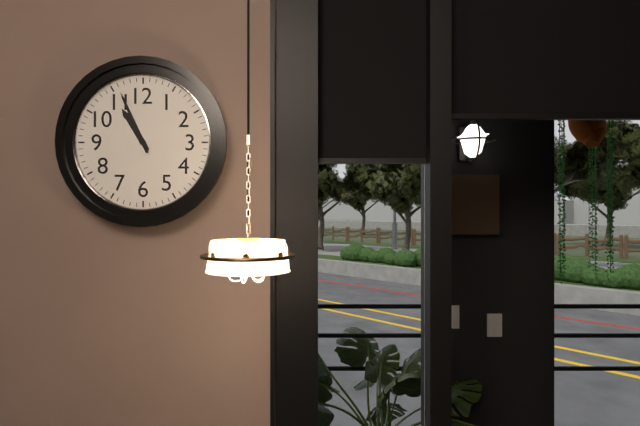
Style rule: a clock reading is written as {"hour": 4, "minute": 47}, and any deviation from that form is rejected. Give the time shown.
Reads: {"hour": 10, "minute": 56}
